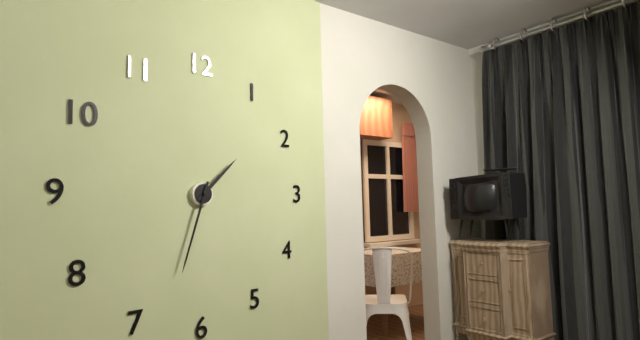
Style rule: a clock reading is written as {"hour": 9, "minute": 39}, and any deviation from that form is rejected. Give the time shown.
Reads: {"hour": 1, "minute": 33}
